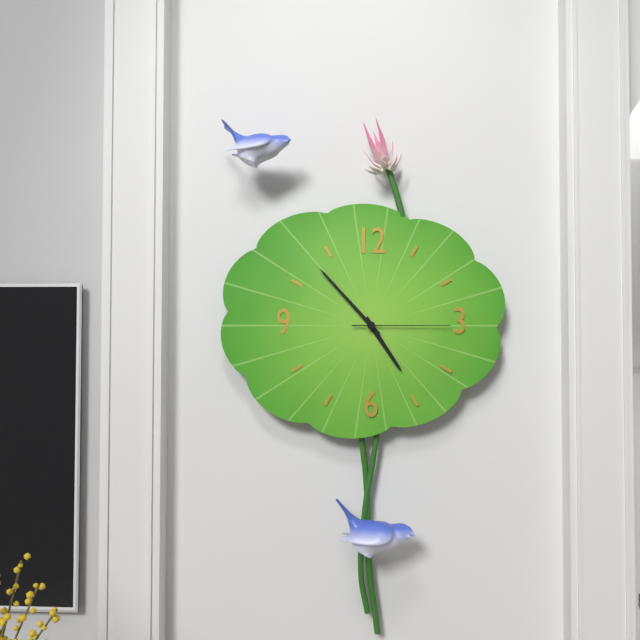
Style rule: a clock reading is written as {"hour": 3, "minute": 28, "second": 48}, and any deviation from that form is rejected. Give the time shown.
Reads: {"hour": 4, "minute": 53, "second": 15}
